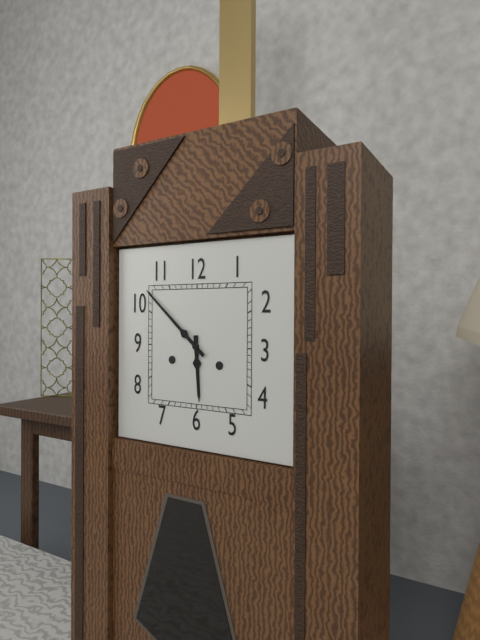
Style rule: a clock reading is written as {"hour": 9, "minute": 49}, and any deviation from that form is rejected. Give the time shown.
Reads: {"hour": 5, "minute": 52}
